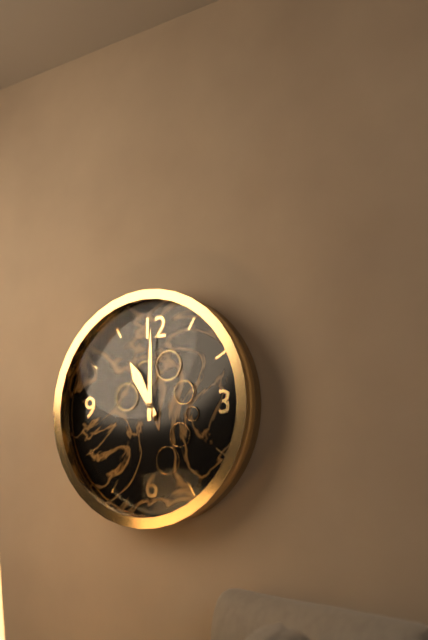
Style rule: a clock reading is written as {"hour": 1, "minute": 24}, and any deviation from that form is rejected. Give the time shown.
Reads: {"hour": 11, "minute": 0}
